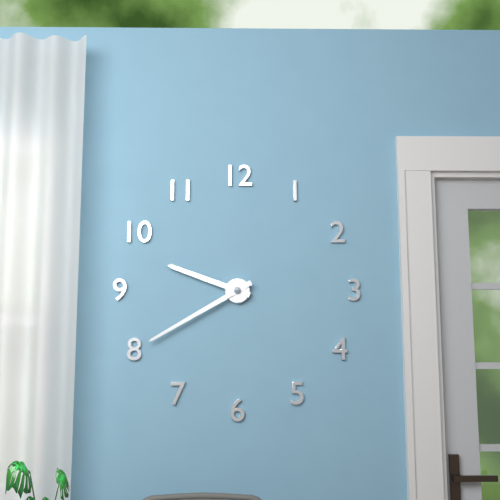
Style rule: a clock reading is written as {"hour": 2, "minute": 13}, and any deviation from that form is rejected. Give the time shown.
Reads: {"hour": 9, "minute": 40}
